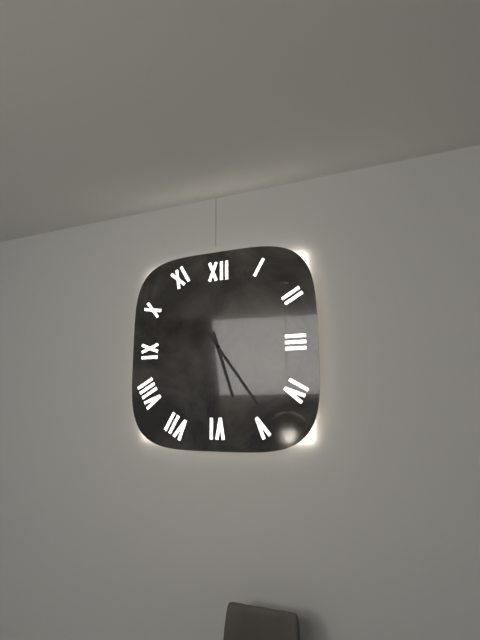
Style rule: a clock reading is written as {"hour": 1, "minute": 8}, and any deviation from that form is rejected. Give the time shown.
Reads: {"hour": 5, "minute": 24}
